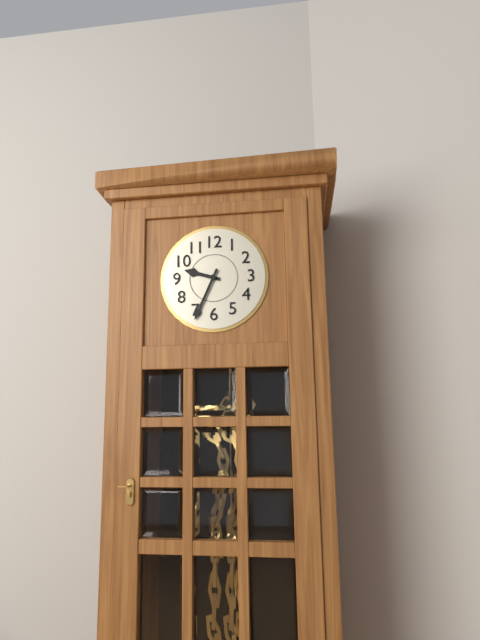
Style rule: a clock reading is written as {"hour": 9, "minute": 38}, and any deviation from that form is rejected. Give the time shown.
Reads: {"hour": 9, "minute": 34}
